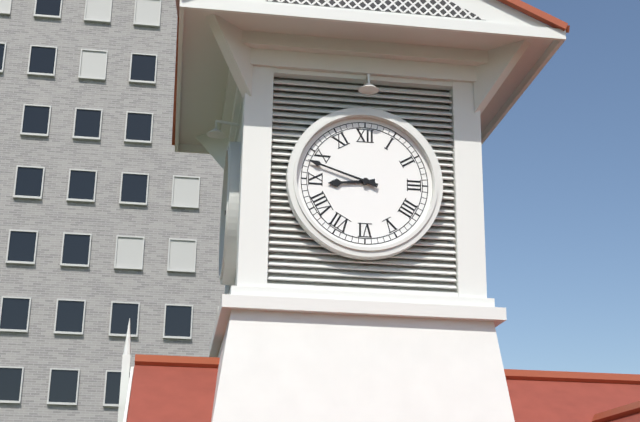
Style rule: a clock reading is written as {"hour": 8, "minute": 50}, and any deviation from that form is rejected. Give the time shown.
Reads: {"hour": 8, "minute": 48}
